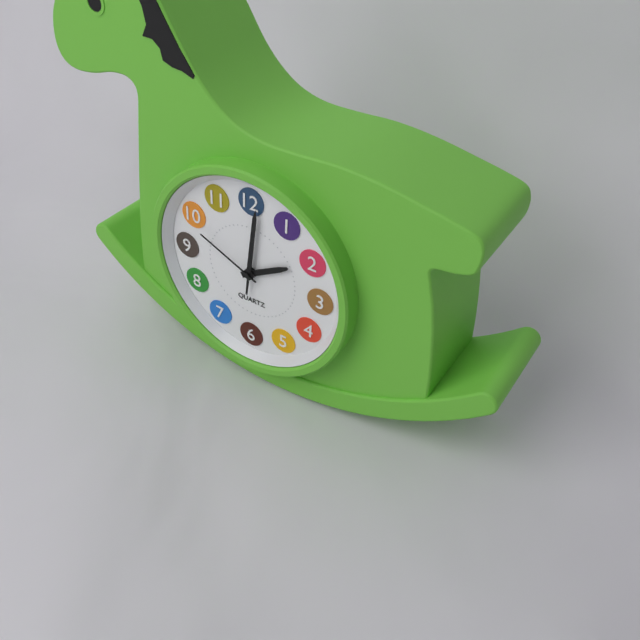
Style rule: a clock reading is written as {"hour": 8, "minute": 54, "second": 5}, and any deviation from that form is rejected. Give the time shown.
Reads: {"hour": 2, "minute": 1, "second": 49}
